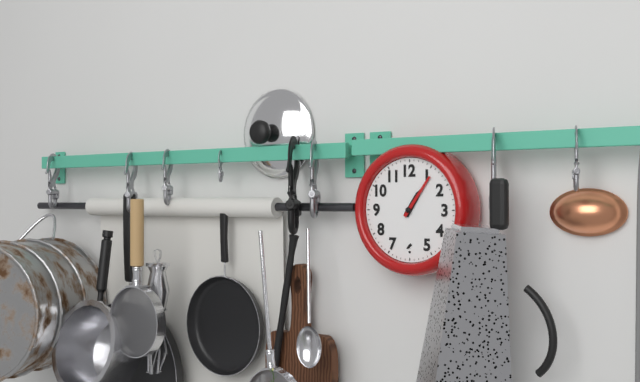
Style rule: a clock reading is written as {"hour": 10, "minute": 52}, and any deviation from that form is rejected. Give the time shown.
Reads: {"hour": 1, "minute": 6}
